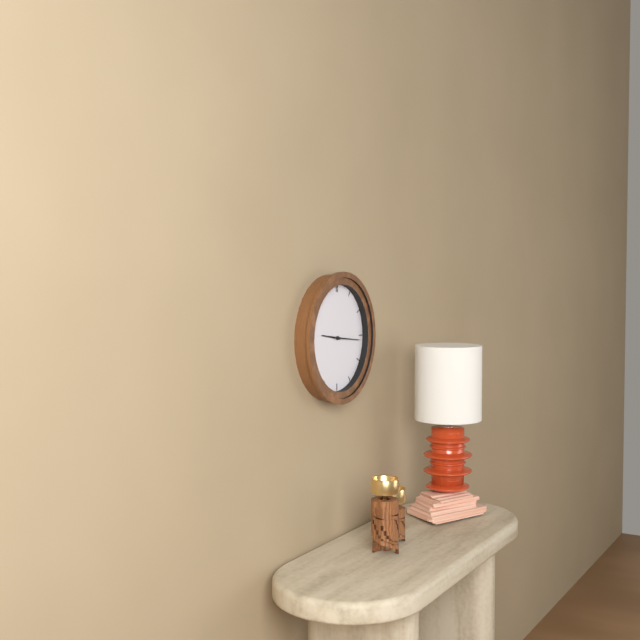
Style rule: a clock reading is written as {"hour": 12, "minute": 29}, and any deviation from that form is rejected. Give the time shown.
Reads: {"hour": 9, "minute": 16}
